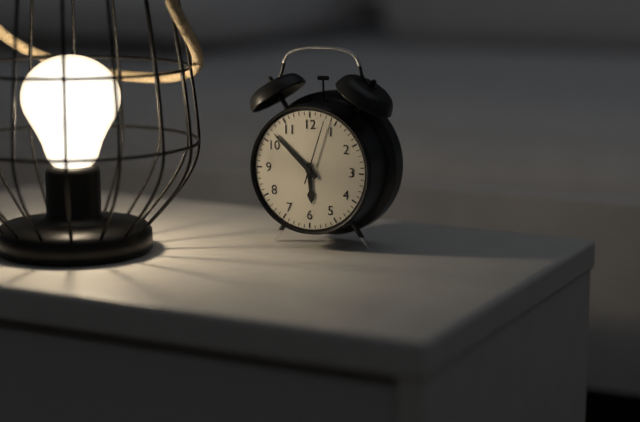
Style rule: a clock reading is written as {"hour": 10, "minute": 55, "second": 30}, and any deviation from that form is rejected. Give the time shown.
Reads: {"hour": 5, "minute": 52, "second": 3}
